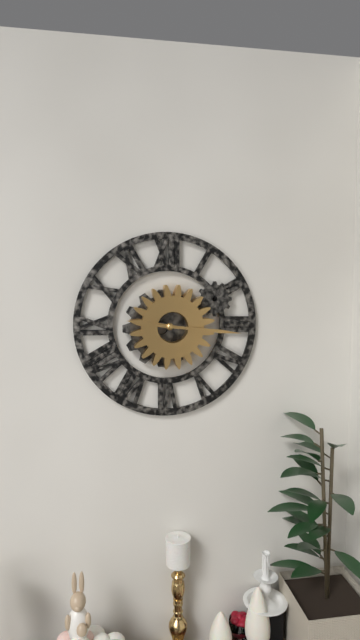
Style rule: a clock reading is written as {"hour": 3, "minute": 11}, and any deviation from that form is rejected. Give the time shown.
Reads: {"hour": 9, "minute": 16}
